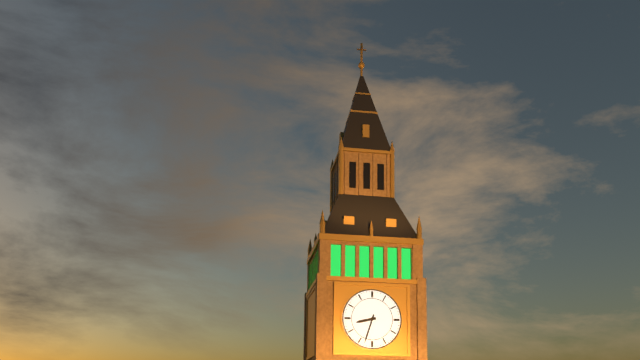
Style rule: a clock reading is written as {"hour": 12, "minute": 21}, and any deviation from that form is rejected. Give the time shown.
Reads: {"hour": 8, "minute": 33}
